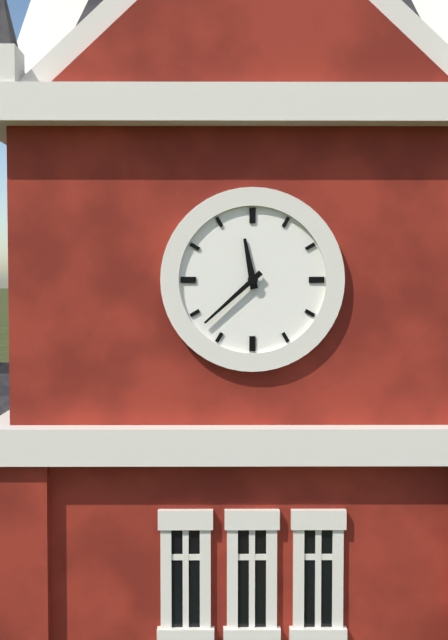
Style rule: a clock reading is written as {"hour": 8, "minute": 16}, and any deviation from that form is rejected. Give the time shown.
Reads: {"hour": 11, "minute": 38}
